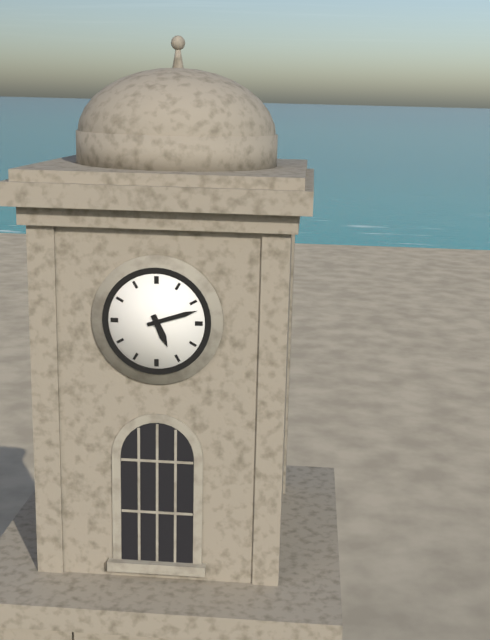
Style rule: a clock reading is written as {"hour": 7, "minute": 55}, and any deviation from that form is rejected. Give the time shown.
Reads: {"hour": 5, "minute": 12}
